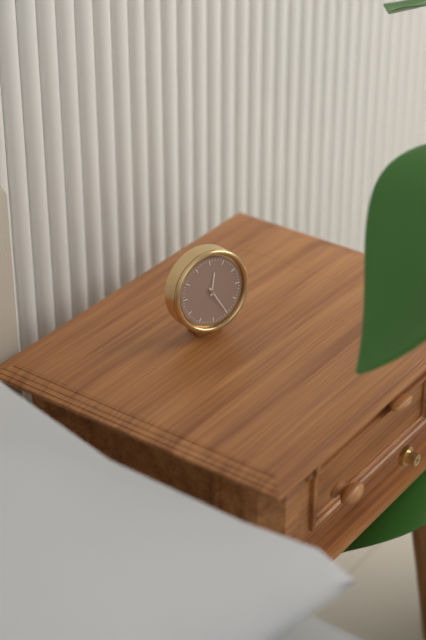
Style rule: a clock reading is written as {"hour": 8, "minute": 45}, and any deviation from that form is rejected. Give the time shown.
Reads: {"hour": 12, "minute": 25}
